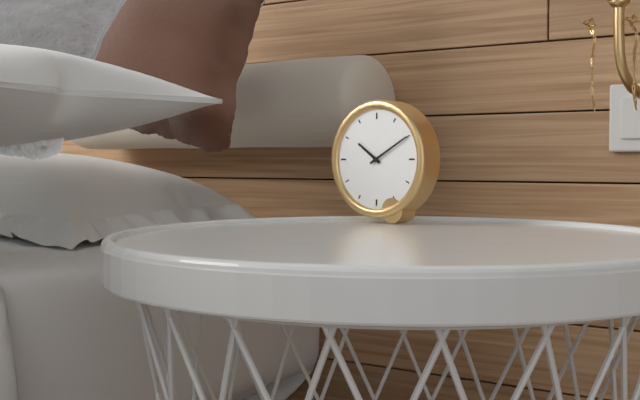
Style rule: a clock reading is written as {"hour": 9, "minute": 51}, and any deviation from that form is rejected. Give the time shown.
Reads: {"hour": 10, "minute": 10}
